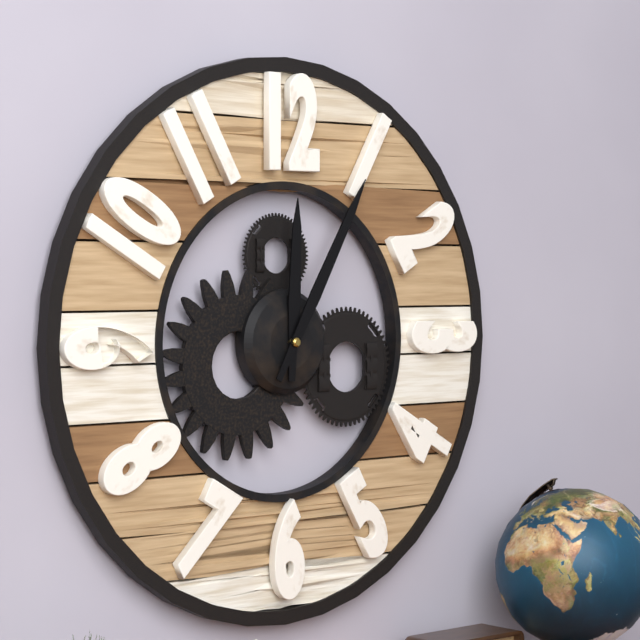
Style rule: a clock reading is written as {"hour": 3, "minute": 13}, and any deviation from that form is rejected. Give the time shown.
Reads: {"hour": 12, "minute": 5}
